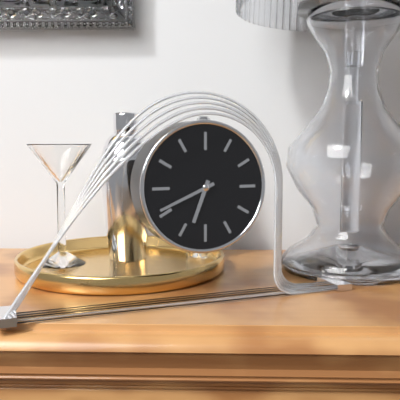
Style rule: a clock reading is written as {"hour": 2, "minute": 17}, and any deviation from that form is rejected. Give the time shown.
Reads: {"hour": 6, "minute": 41}
